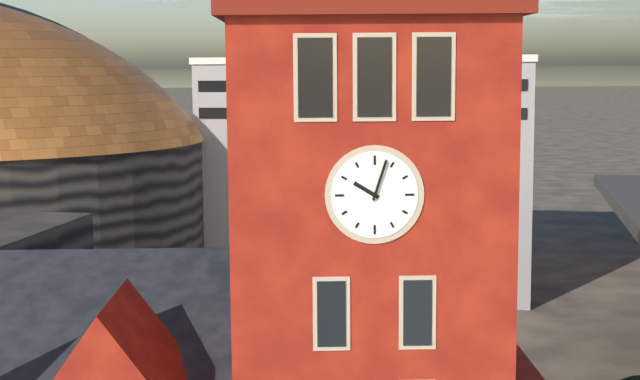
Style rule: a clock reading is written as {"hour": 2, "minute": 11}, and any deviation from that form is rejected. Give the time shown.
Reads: {"hour": 10, "minute": 3}
